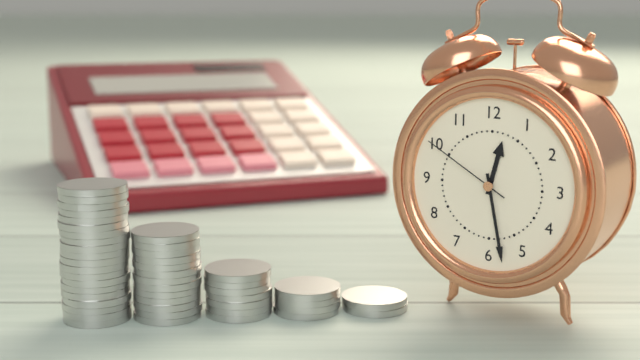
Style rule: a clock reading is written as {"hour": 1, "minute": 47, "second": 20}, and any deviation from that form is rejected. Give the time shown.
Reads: {"hour": 12, "minute": 28, "second": 50}
